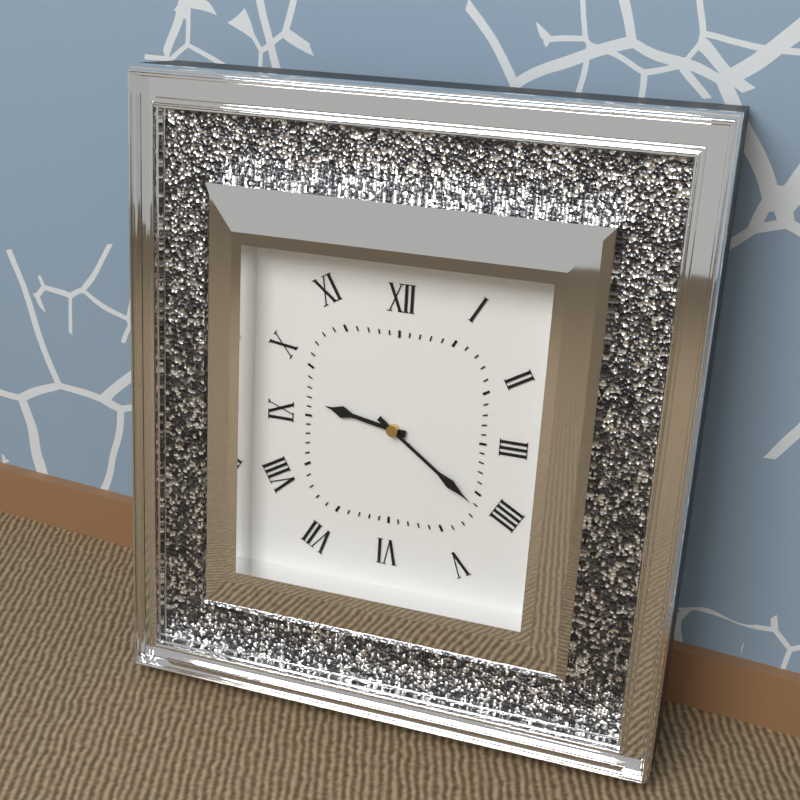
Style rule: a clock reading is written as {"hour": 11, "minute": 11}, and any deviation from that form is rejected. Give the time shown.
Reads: {"hour": 9, "minute": 21}
